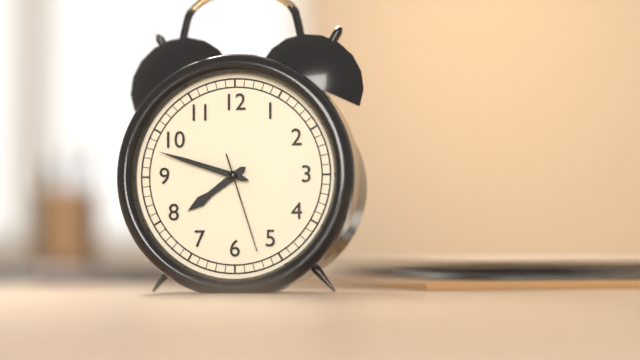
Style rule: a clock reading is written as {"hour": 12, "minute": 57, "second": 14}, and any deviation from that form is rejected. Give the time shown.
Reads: {"hour": 7, "minute": 48, "second": 27}
